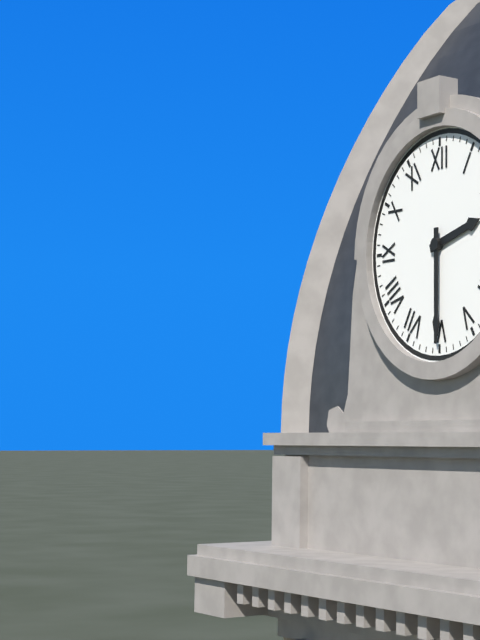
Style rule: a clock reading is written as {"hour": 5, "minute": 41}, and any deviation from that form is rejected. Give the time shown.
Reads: {"hour": 2, "minute": 30}
